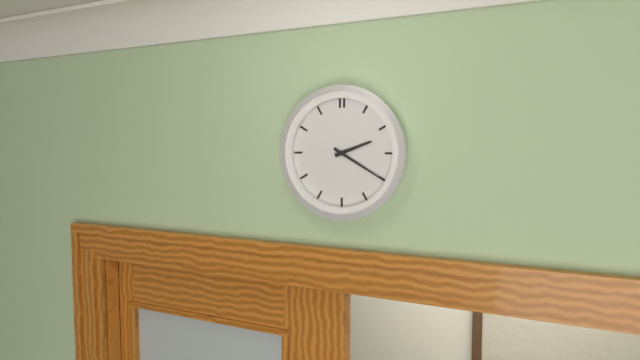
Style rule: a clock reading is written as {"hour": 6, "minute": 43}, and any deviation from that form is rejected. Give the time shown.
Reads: {"hour": 2, "minute": 20}
